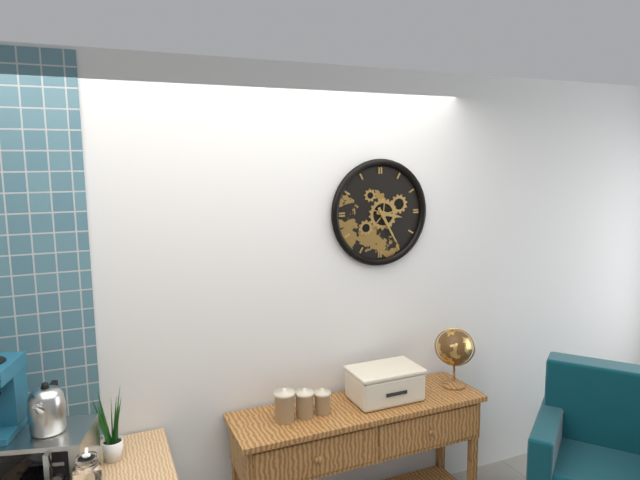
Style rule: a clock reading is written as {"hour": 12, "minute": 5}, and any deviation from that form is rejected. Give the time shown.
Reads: {"hour": 3, "minute": 25}
